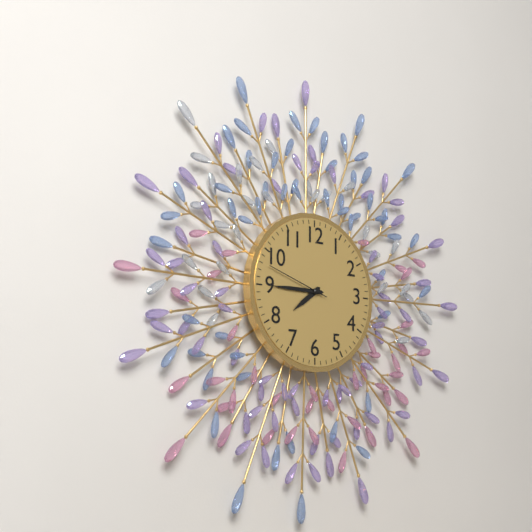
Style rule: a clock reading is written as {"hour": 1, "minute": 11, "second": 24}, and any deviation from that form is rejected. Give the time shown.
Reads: {"hour": 7, "minute": 45, "second": 48}
